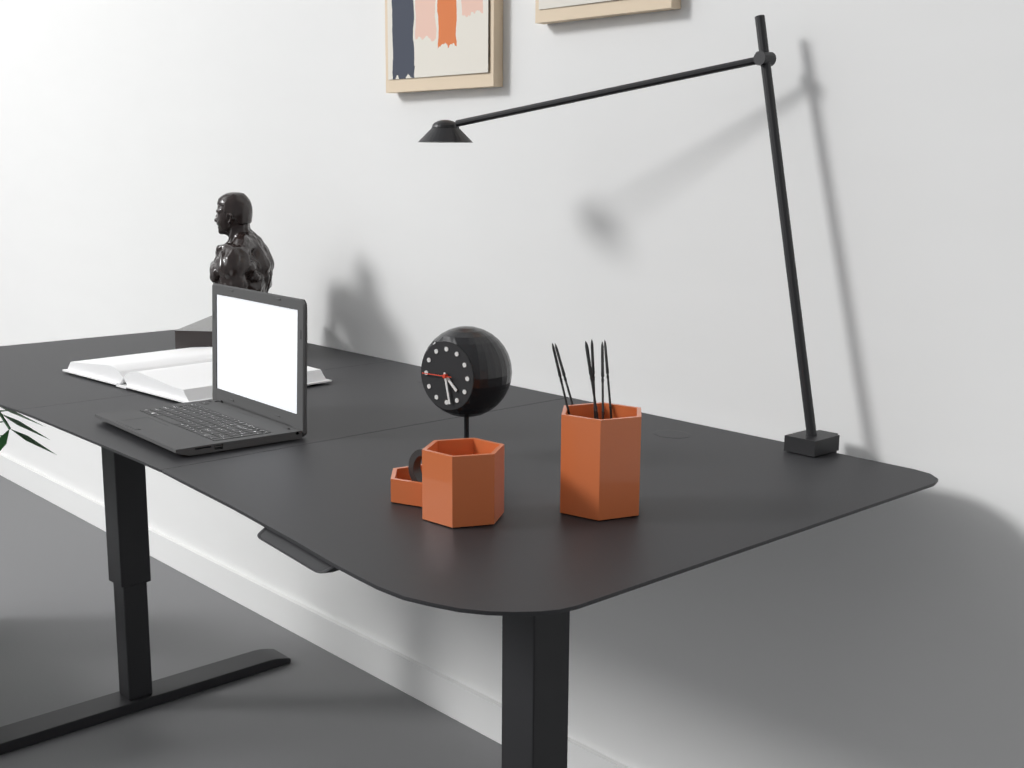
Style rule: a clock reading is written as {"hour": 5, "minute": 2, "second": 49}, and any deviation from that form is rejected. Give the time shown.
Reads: {"hour": 4, "minute": 28, "second": 45}
